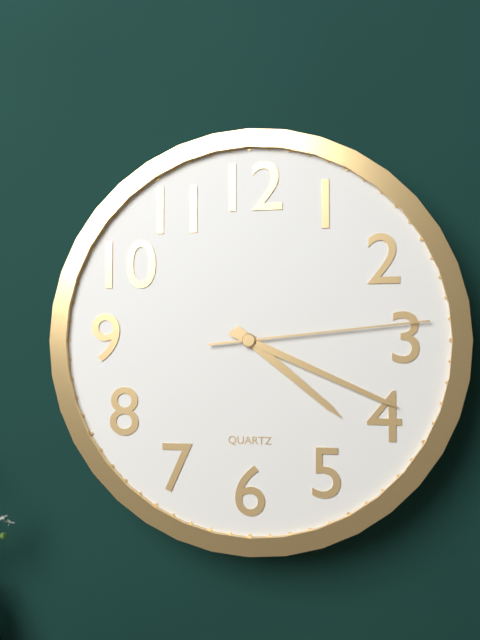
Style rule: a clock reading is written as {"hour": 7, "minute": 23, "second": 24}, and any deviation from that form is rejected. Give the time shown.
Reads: {"hour": 4, "minute": 19, "second": 14}
